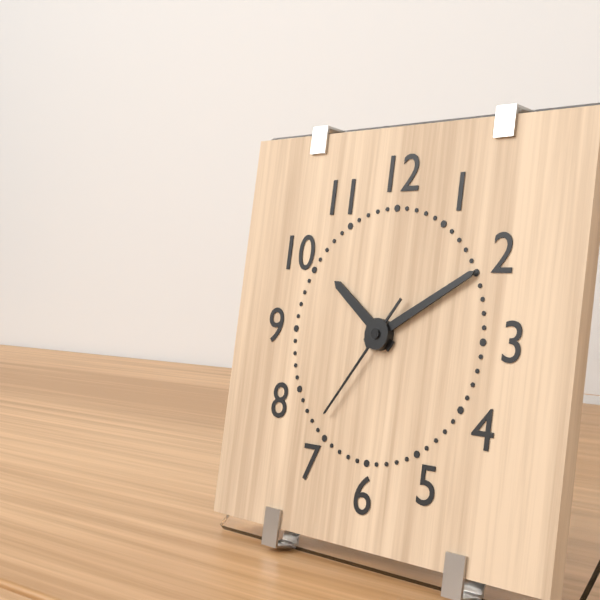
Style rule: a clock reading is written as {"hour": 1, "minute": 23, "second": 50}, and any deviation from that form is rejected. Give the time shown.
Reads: {"hour": 10, "minute": 10, "second": 36}
